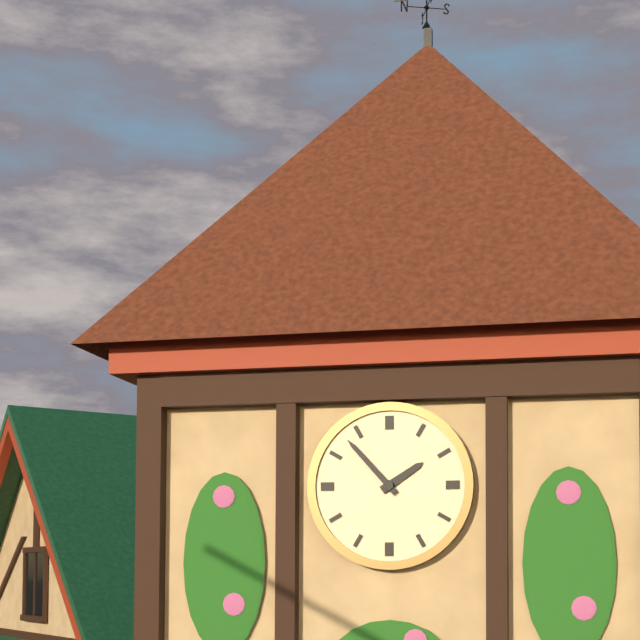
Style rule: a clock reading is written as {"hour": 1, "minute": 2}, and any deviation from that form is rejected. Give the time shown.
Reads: {"hour": 1, "minute": 53}
